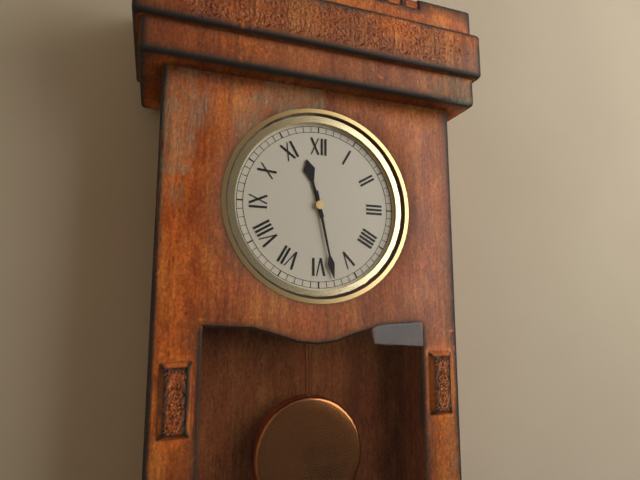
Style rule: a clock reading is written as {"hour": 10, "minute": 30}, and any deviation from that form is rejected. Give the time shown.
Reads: {"hour": 11, "minute": 28}
